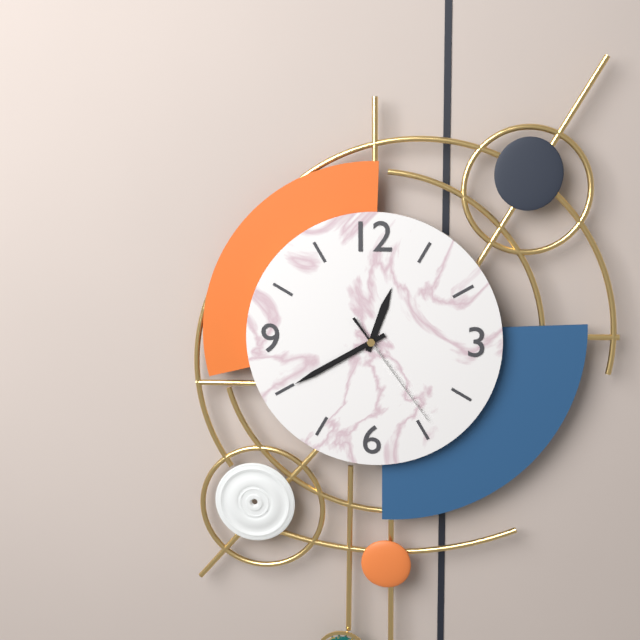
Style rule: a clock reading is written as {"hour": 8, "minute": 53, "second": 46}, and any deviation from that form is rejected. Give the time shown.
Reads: {"hour": 12, "minute": 40, "second": 24}
